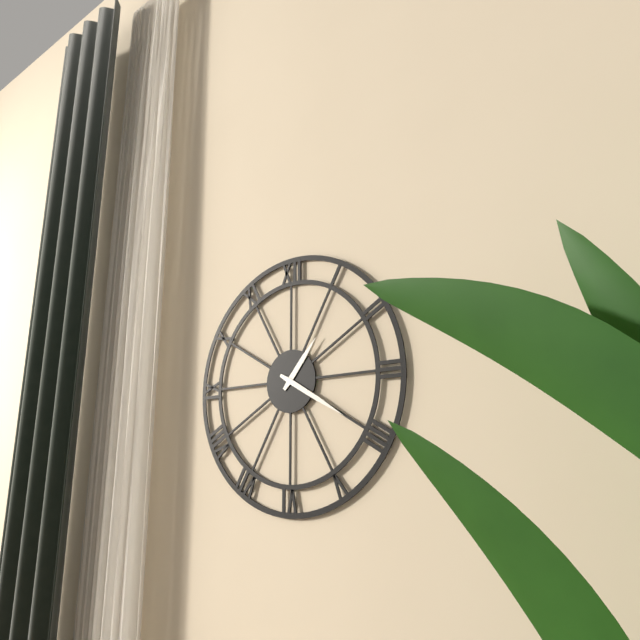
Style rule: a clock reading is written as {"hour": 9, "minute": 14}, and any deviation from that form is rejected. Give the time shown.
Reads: {"hour": 1, "minute": 20}
